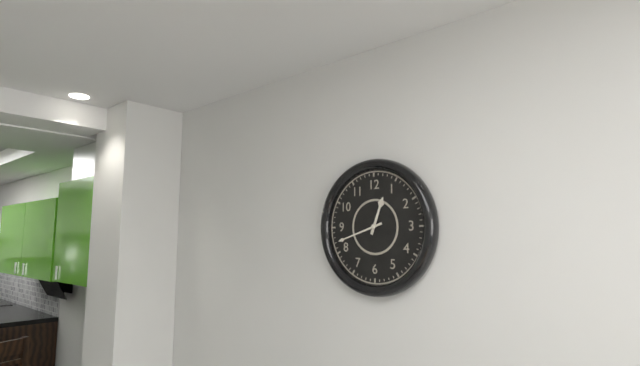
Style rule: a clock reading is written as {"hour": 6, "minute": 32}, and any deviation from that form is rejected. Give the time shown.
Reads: {"hour": 12, "minute": 42}
